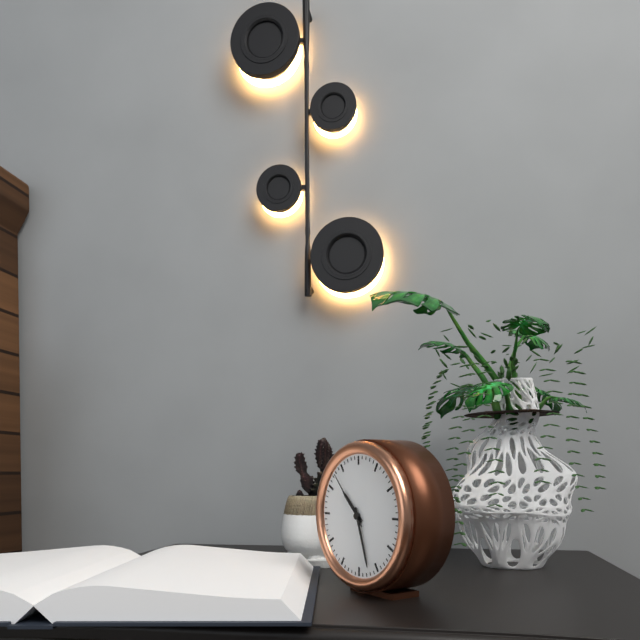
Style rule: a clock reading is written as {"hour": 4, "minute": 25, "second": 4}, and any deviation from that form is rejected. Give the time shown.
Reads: {"hour": 10, "minute": 27, "second": 53}
